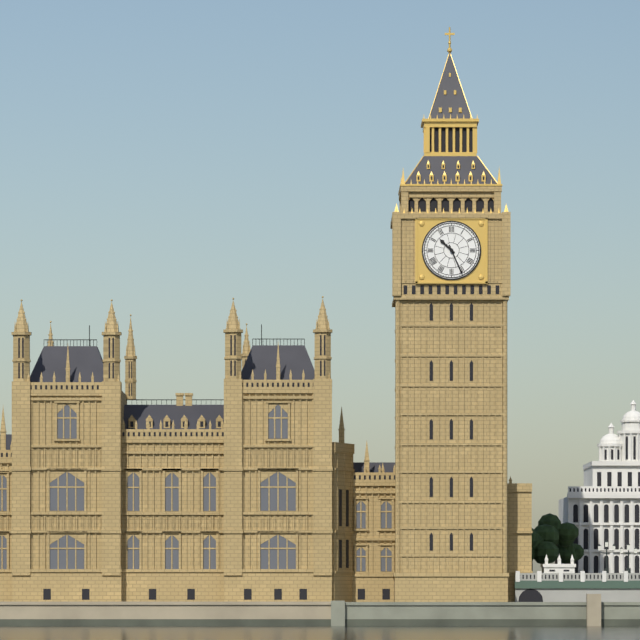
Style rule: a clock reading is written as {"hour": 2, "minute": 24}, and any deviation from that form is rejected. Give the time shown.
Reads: {"hour": 10, "minute": 26}
